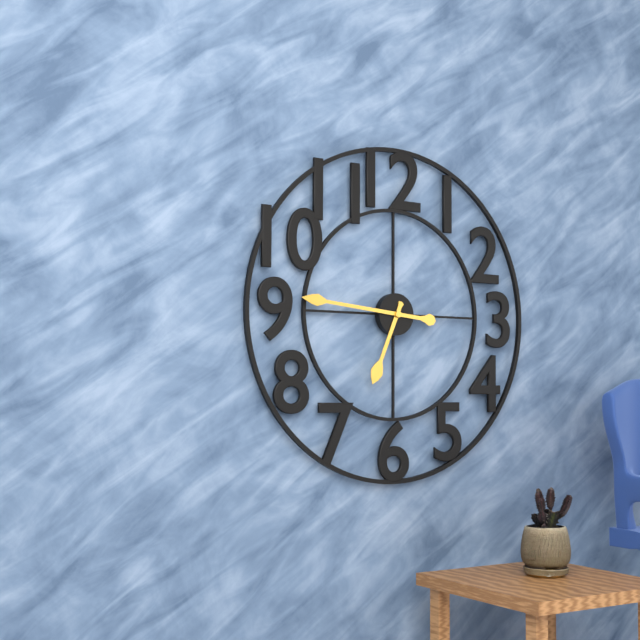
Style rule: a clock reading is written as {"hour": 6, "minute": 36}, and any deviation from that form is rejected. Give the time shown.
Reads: {"hour": 6, "minute": 46}
